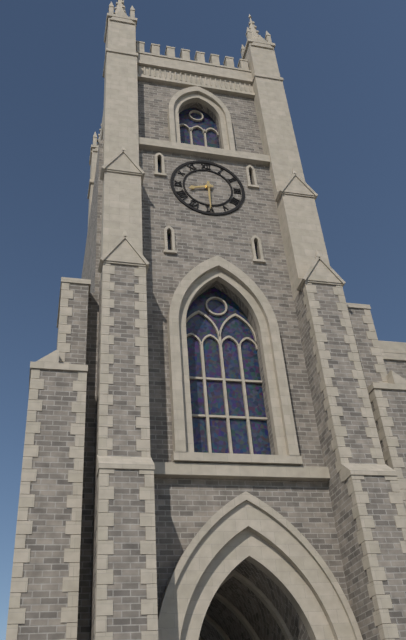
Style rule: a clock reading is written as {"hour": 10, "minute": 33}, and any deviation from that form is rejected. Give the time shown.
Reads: {"hour": 8, "minute": 30}
